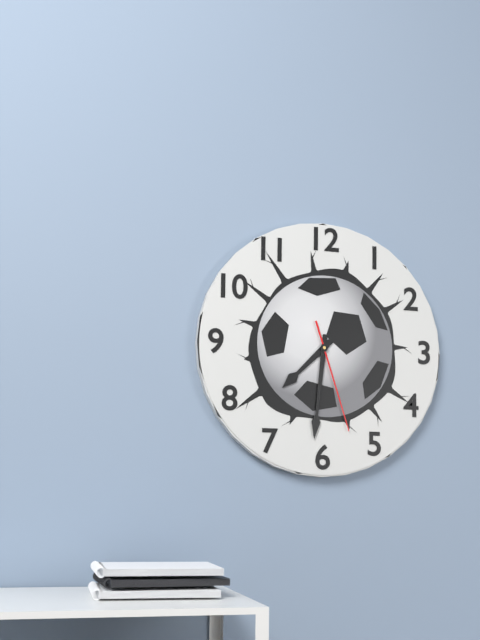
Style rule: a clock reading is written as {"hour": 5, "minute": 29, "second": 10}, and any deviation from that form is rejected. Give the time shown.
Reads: {"hour": 7, "minute": 31, "second": 27}
